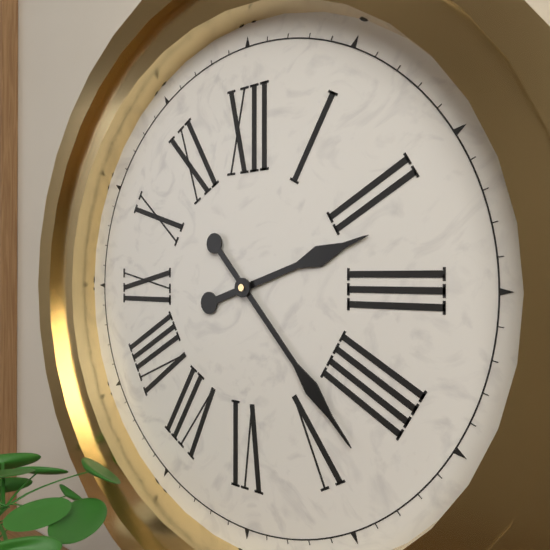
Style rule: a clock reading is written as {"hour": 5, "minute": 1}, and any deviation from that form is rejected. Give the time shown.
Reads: {"hour": 2, "minute": 23}
